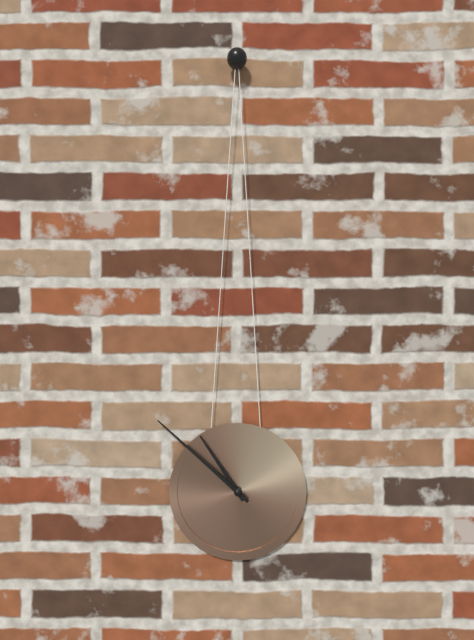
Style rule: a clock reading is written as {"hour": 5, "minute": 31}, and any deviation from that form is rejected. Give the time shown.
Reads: {"hour": 10, "minute": 52}
